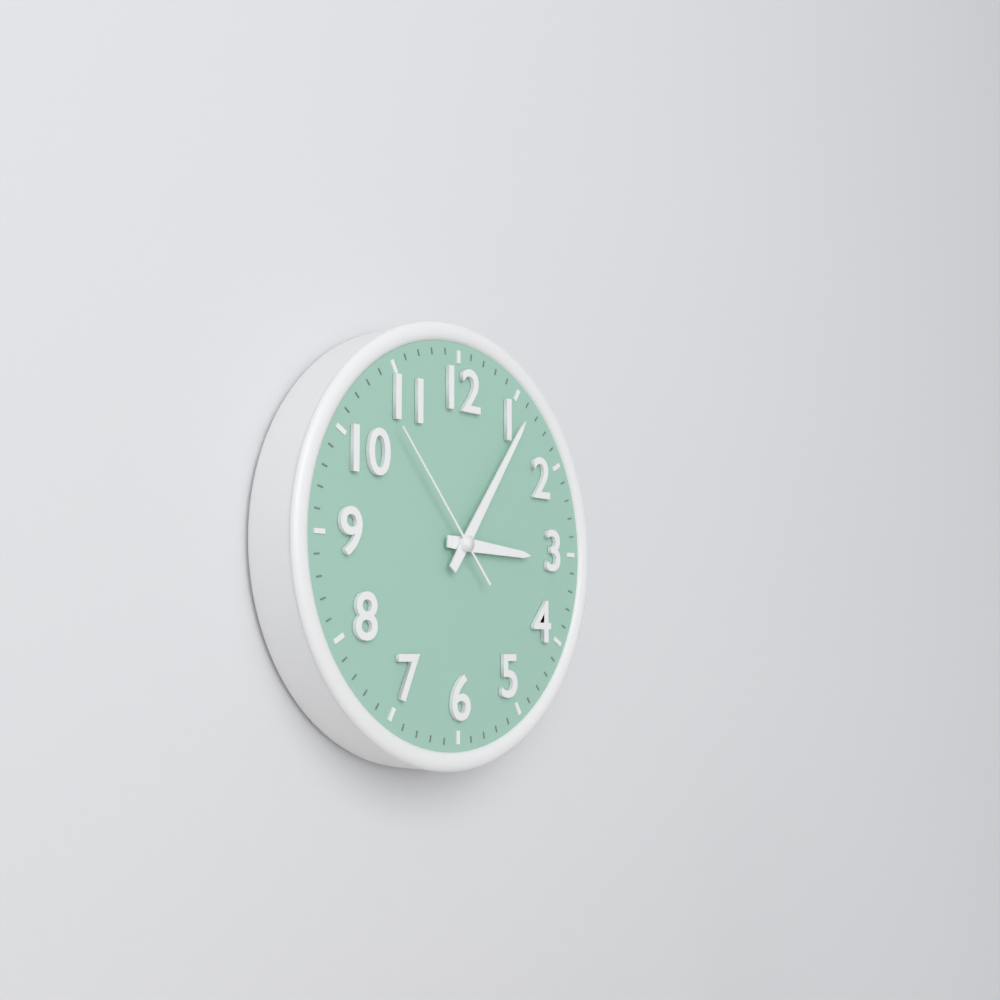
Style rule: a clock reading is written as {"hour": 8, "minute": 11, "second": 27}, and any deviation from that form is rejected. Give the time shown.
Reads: {"hour": 3, "minute": 6, "second": 53}
